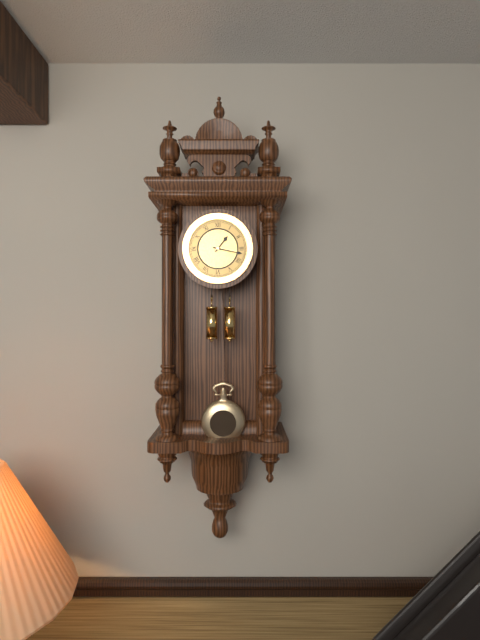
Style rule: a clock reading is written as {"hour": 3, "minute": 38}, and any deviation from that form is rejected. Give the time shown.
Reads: {"hour": 1, "minute": 17}
